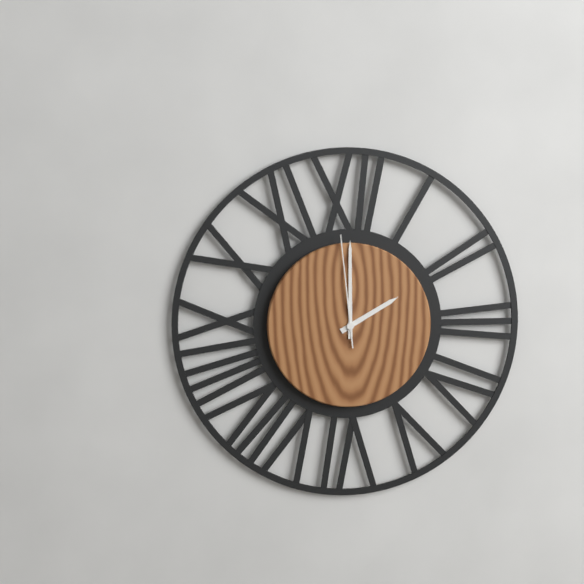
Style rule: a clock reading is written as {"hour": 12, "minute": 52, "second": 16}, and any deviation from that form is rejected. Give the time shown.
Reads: {"hour": 2, "minute": 0, "second": 59}
